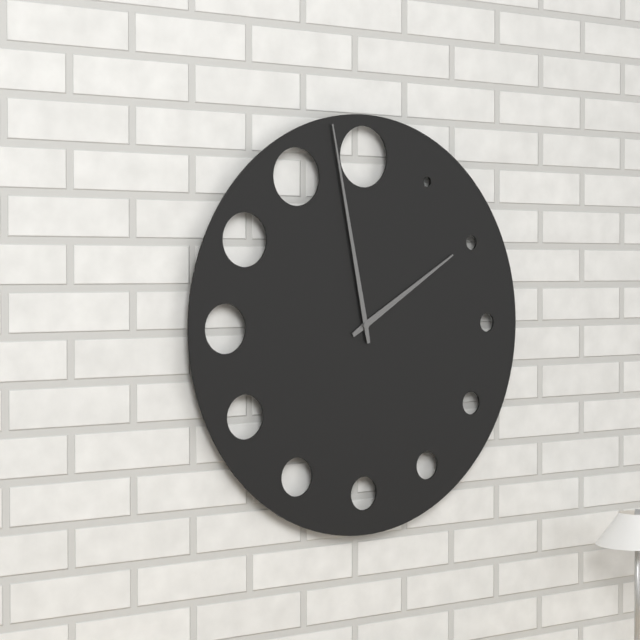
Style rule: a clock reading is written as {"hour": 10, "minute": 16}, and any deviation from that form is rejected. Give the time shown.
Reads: {"hour": 1, "minute": 58}
